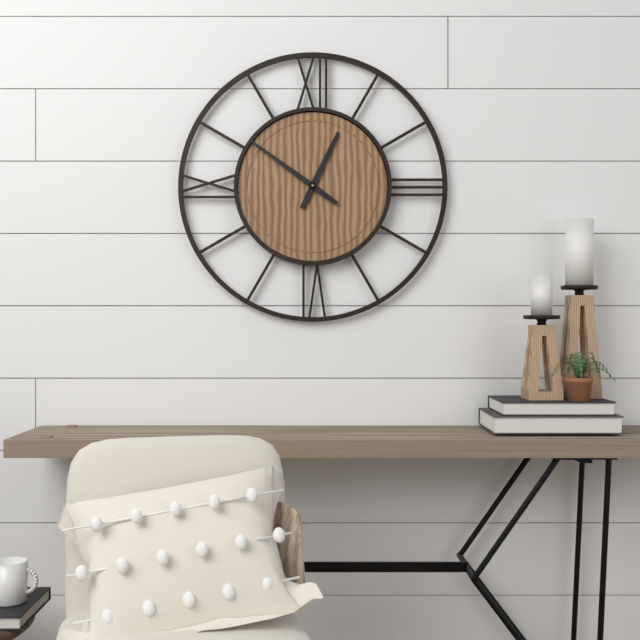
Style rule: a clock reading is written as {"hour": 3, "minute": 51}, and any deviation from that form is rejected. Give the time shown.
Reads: {"hour": 12, "minute": 51}
